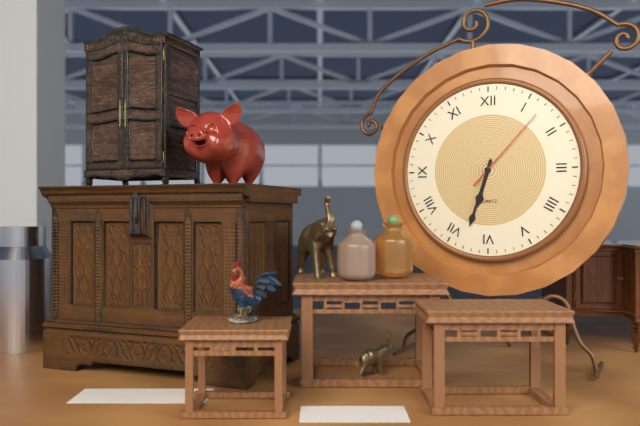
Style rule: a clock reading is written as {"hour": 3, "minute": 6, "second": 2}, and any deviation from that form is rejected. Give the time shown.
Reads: {"hour": 6, "minute": 33, "second": 7}
